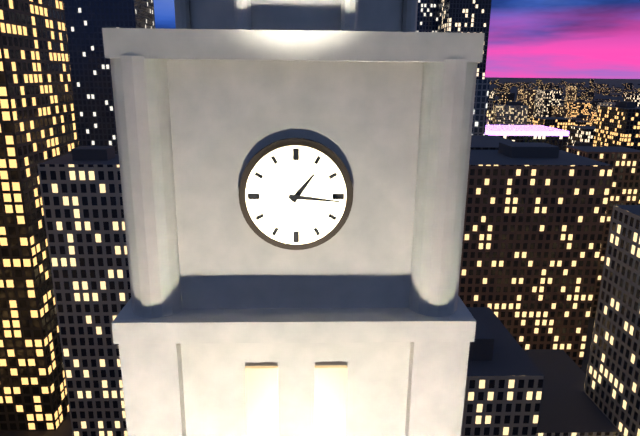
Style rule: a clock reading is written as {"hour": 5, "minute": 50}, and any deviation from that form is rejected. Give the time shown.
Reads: {"hour": 1, "minute": 16}
